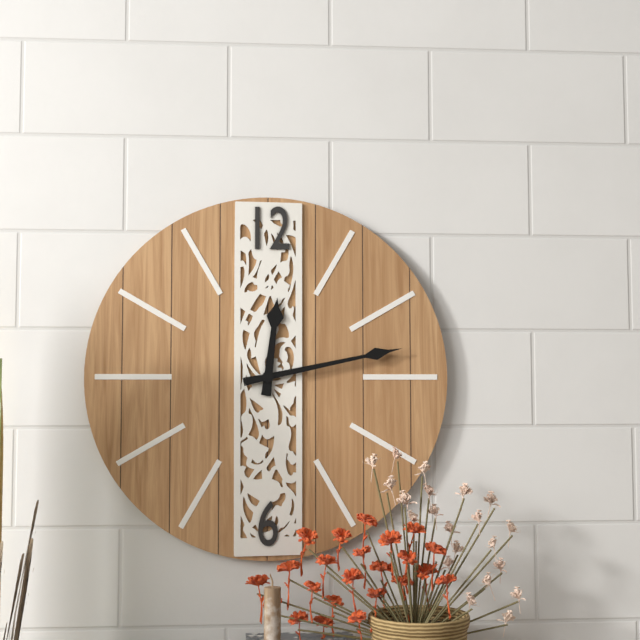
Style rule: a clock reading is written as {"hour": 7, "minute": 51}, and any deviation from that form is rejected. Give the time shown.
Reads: {"hour": 12, "minute": 13}
